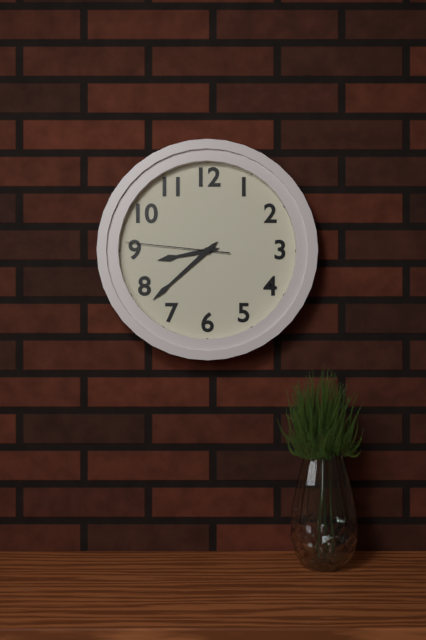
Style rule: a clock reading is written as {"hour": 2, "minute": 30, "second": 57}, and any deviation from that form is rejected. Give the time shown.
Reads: {"hour": 8, "minute": 38, "second": 46}
